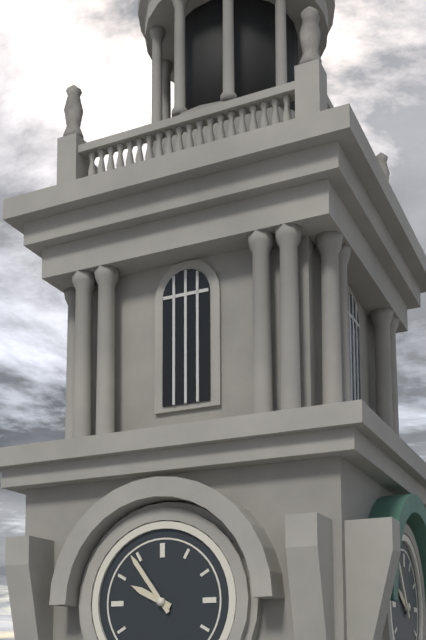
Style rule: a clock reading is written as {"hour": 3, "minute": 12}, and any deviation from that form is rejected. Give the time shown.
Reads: {"hour": 9, "minute": 54}
